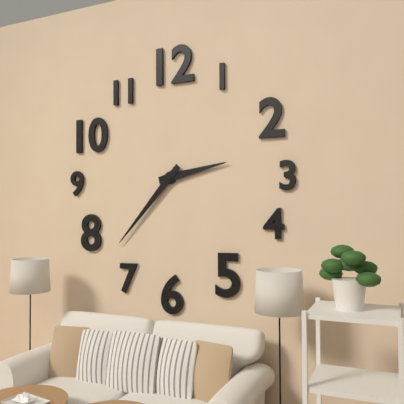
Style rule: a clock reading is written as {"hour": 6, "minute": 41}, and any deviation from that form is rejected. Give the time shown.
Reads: {"hour": 2, "minute": 37}
